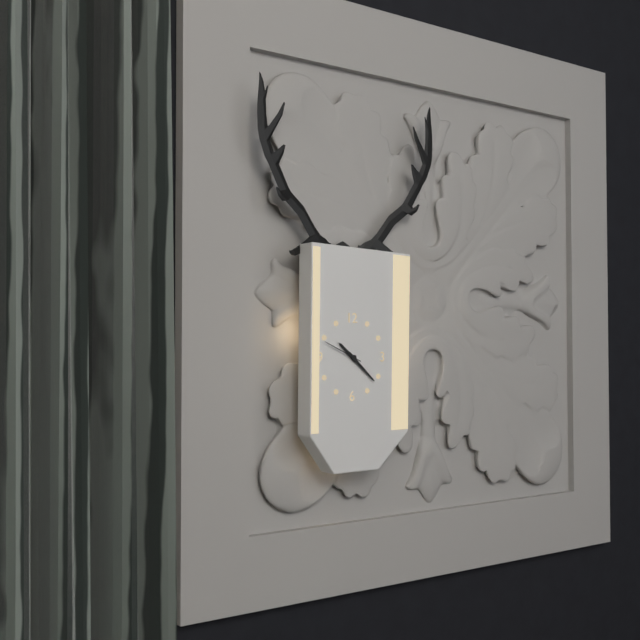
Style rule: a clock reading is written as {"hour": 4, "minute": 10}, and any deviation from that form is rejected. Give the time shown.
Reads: {"hour": 10, "minute": 22}
